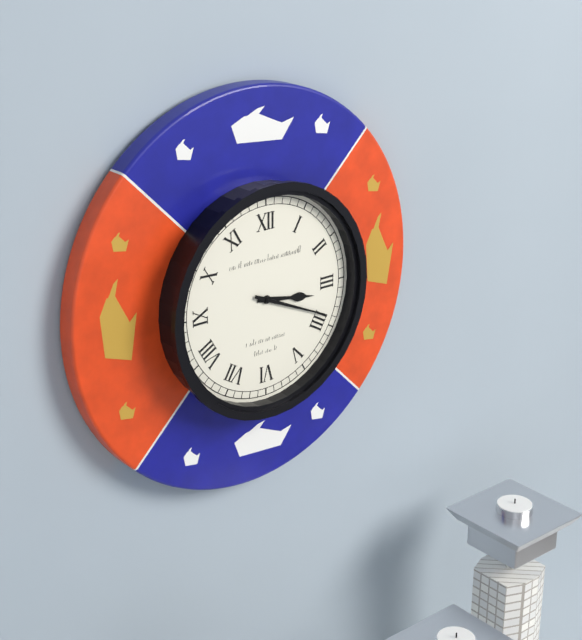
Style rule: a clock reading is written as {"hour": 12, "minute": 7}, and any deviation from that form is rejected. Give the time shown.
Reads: {"hour": 3, "minute": 19}
